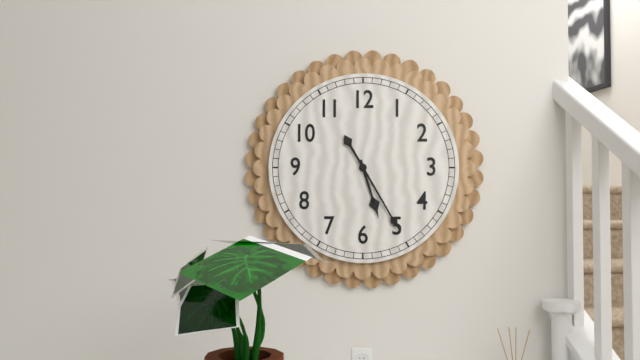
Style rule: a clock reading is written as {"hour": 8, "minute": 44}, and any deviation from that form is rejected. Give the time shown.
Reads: {"hour": 5, "minute": 25}
